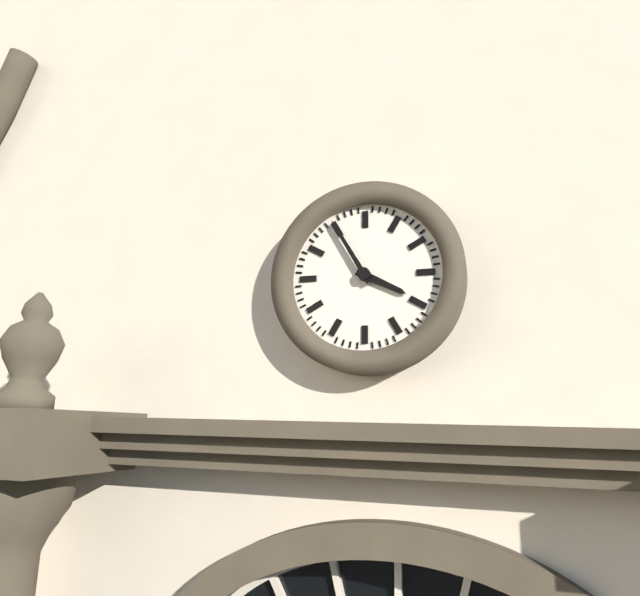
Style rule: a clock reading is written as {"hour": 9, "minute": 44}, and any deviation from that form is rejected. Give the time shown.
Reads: {"hour": 3, "minute": 55}
